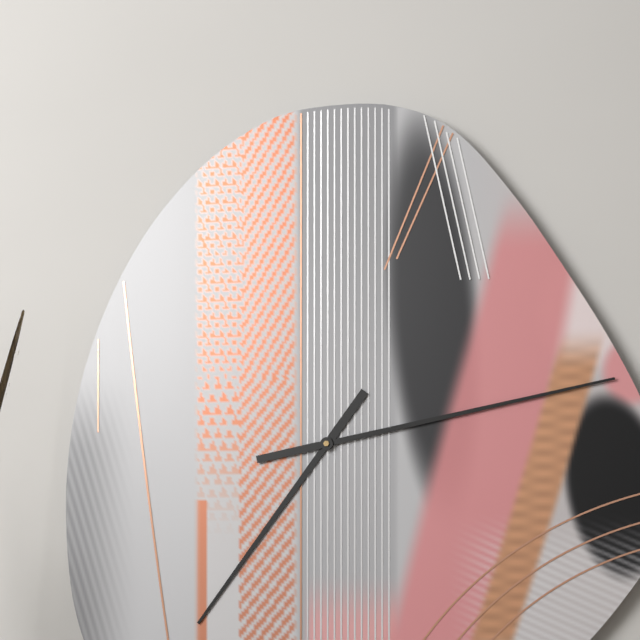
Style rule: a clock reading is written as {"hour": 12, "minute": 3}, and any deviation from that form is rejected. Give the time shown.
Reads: {"hour": 7, "minute": 13}
